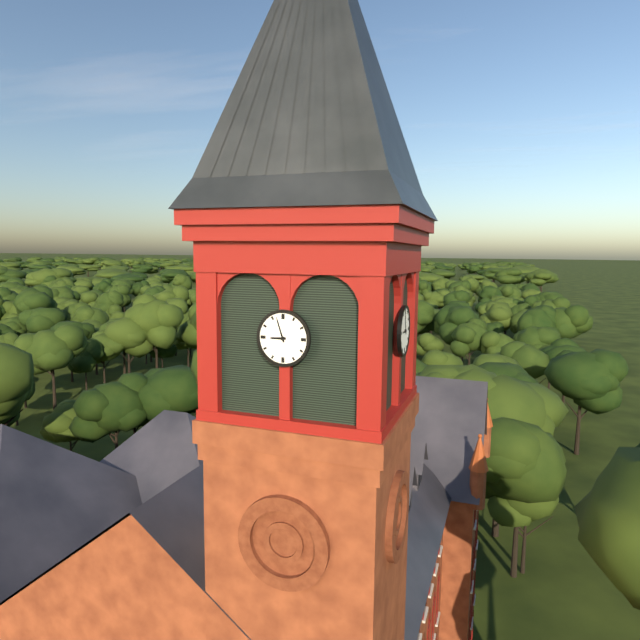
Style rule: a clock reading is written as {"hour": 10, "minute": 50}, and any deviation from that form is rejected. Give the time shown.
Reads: {"hour": 8, "minute": 57}
